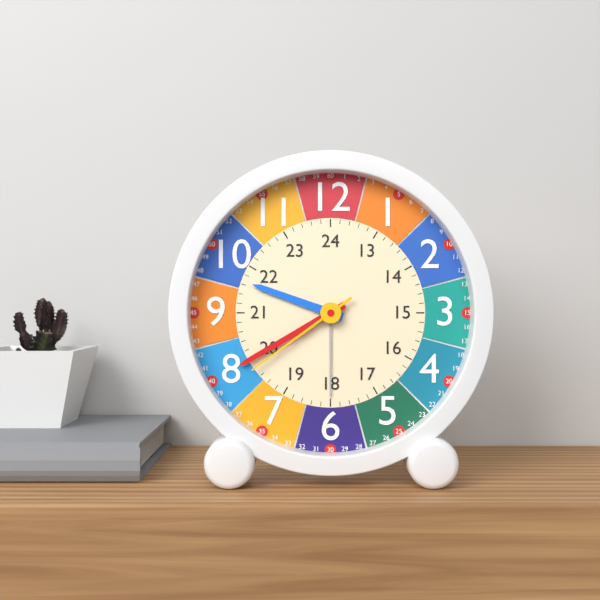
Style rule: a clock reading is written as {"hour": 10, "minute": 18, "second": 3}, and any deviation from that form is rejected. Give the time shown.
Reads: {"hour": 9, "minute": 40, "second": 39}
